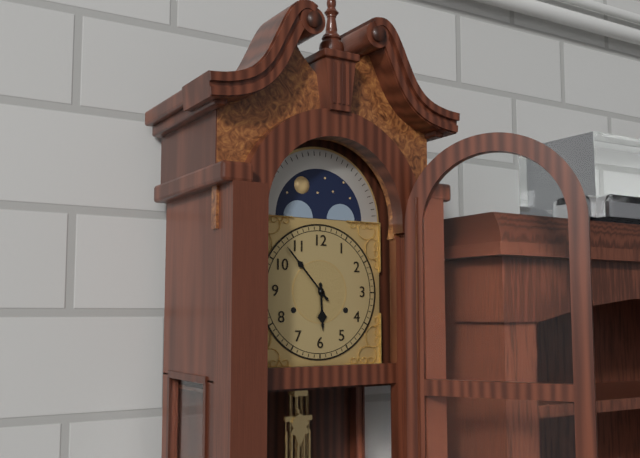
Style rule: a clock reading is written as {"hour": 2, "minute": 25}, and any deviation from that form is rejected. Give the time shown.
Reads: {"hour": 5, "minute": 53}
